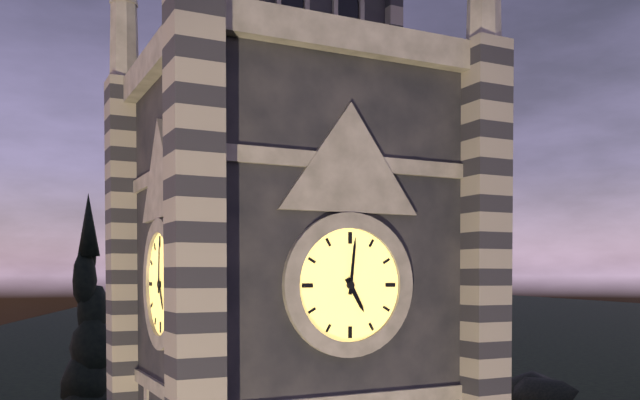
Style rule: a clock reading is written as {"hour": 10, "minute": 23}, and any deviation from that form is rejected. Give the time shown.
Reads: {"hour": 5, "minute": 1}
